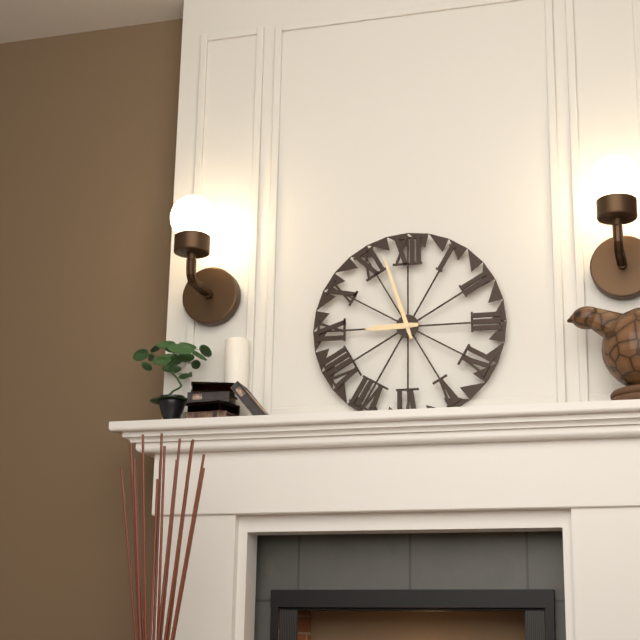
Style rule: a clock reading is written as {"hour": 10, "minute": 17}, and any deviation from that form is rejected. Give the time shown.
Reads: {"hour": 8, "minute": 57}
